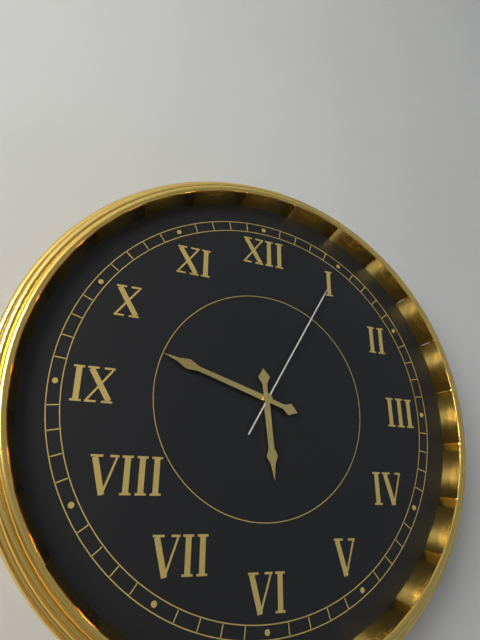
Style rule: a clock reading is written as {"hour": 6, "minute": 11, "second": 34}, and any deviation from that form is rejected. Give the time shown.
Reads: {"hour": 5, "minute": 48, "second": 5}
